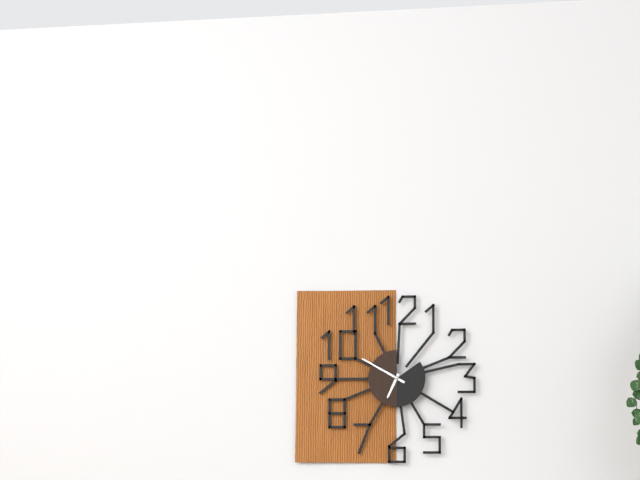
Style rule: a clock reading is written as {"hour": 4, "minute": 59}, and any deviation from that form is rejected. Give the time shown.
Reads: {"hour": 6, "minute": 50}
